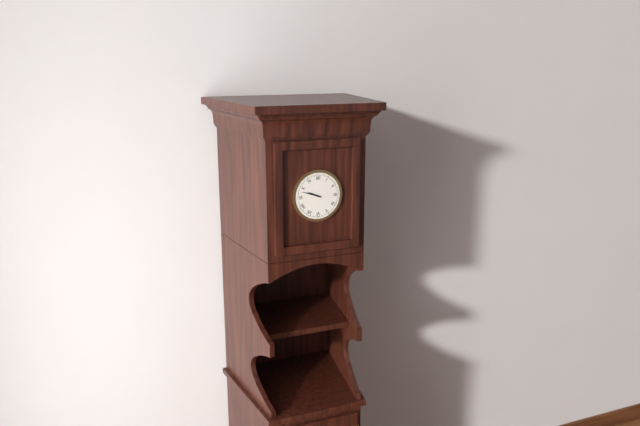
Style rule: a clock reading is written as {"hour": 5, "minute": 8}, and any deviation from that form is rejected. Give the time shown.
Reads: {"hour": 9, "minute": 48}
